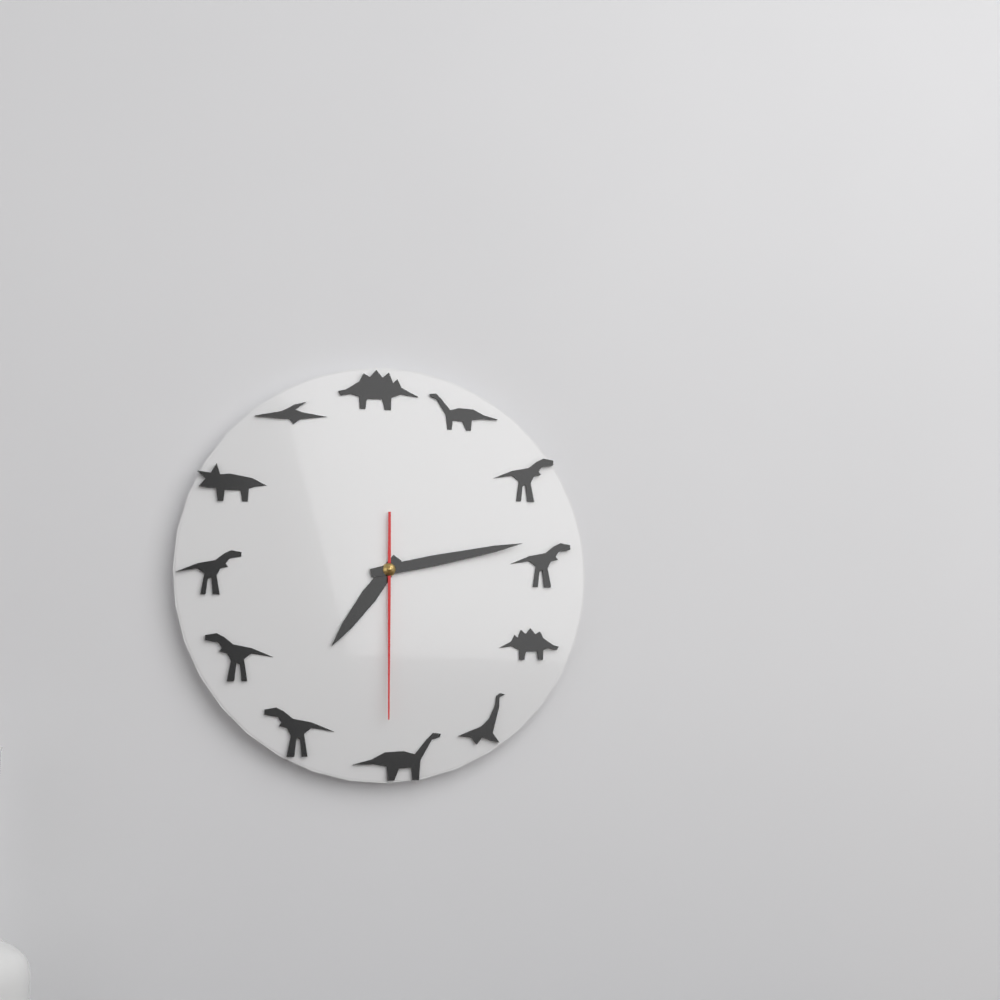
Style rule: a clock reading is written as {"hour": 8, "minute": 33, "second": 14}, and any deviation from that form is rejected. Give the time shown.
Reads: {"hour": 7, "minute": 13, "second": 30}
